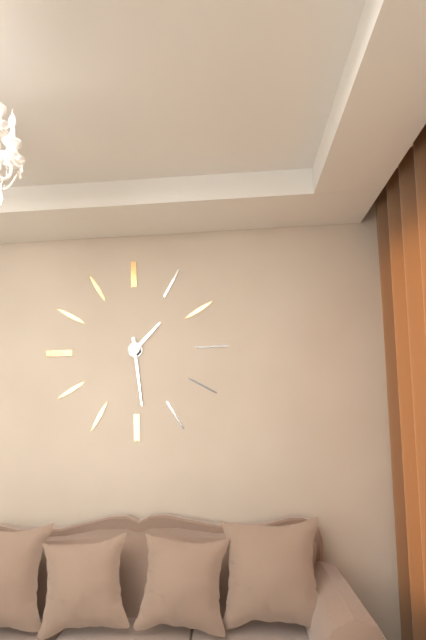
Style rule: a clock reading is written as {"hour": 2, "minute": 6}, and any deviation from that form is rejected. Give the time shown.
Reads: {"hour": 1, "minute": 29}
